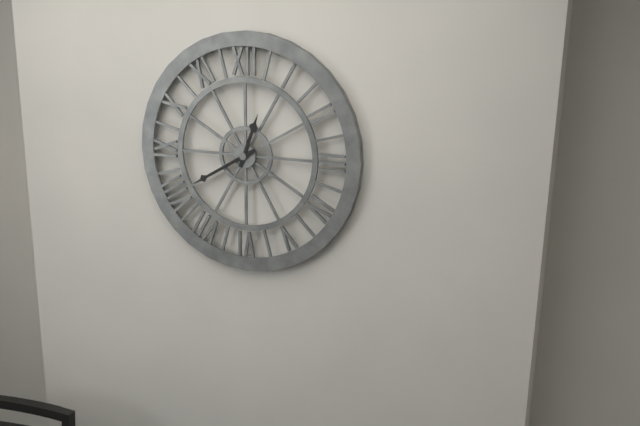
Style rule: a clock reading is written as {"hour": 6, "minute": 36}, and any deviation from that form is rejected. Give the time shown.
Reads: {"hour": 12, "minute": 40}
